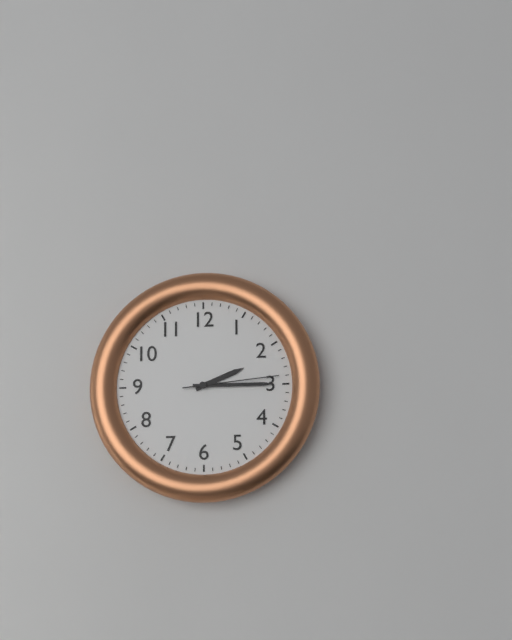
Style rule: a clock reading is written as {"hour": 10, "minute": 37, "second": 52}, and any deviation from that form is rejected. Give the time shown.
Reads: {"hour": 2, "minute": 15, "second": 14}
